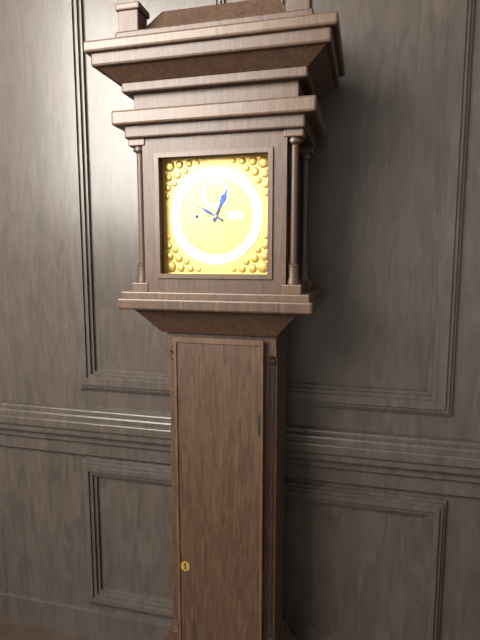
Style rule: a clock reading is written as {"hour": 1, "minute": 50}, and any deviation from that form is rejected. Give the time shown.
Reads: {"hour": 12, "minute": 50}
